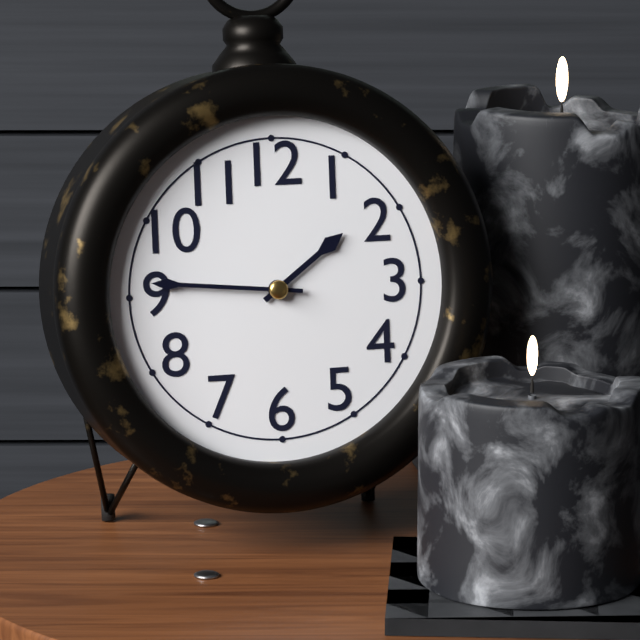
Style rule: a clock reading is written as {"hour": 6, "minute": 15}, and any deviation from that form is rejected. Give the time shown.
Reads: {"hour": 1, "minute": 46}
